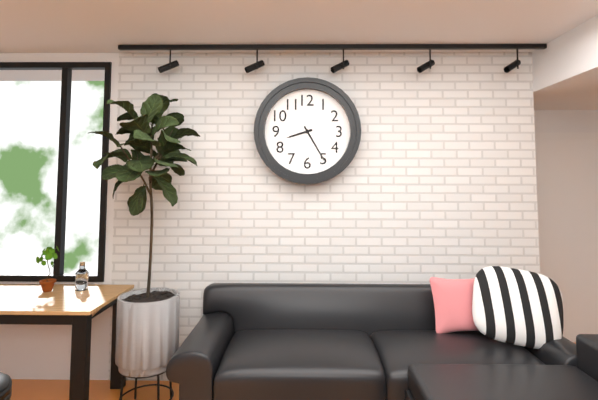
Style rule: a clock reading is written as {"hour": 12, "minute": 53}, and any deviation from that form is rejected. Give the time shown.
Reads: {"hour": 8, "minute": 25}
